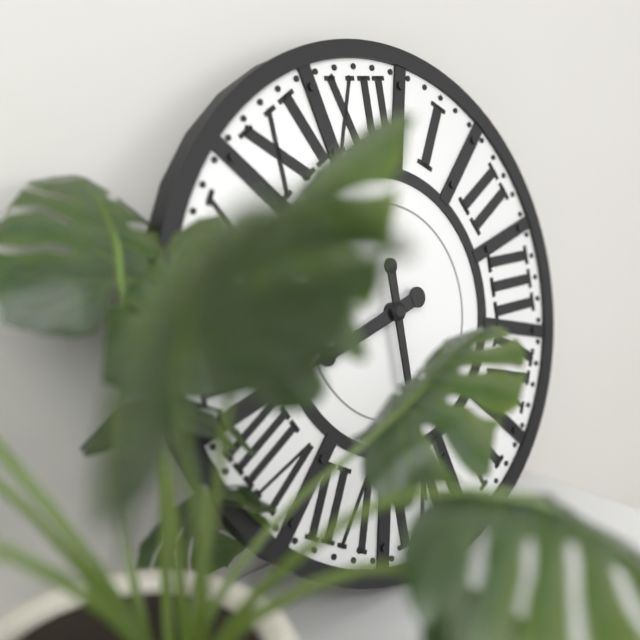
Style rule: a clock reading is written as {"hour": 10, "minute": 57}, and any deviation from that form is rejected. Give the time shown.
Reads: {"hour": 8, "minute": 30}
